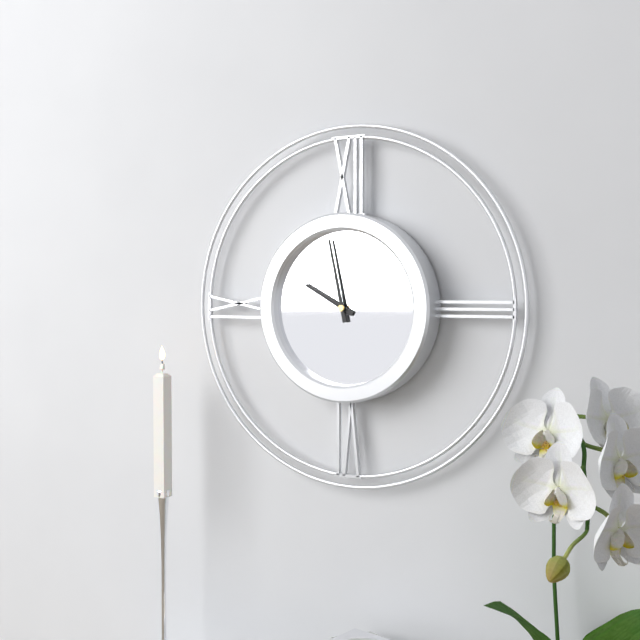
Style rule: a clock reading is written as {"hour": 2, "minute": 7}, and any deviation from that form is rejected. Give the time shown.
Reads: {"hour": 9, "minute": 58}
